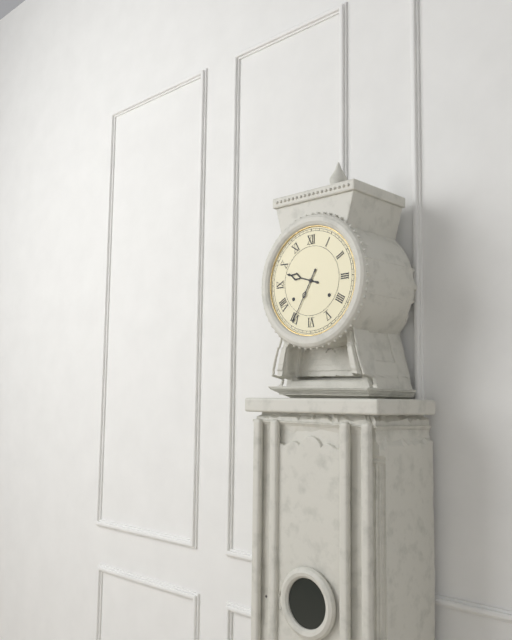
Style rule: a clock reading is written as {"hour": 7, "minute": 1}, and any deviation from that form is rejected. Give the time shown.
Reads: {"hour": 9, "minute": 35}
